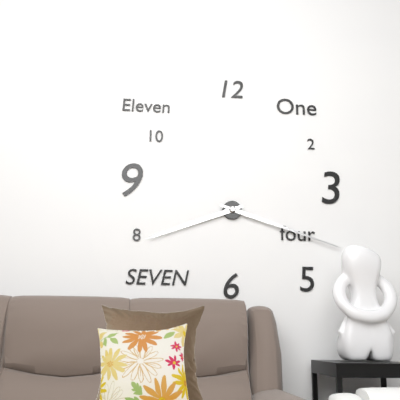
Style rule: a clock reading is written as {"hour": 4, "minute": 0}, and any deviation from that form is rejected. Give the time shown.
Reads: {"hour": 8, "minute": 18}
